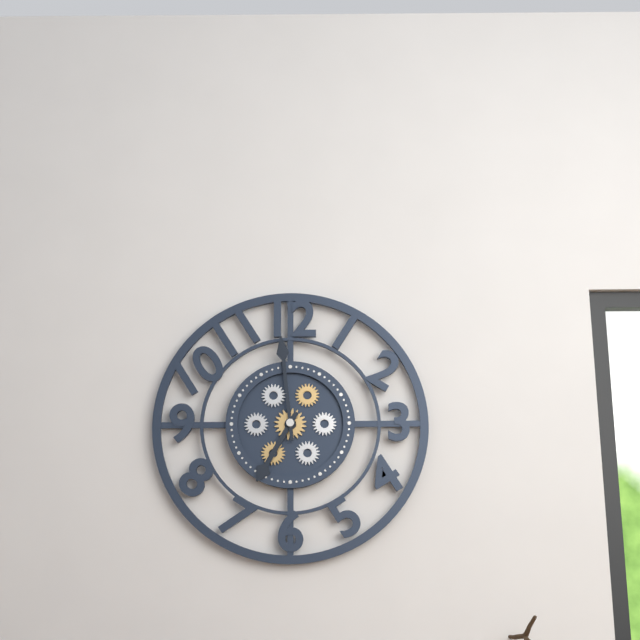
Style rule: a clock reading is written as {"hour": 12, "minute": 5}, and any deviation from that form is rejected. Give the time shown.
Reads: {"hour": 6, "minute": 59}
